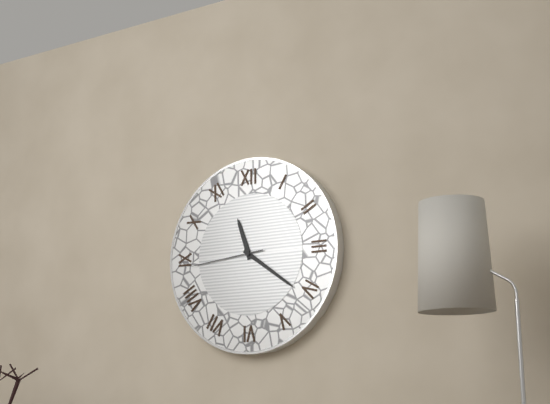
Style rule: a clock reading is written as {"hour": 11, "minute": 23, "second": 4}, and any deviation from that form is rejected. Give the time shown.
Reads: {"hour": 11, "minute": 21, "second": 44}
